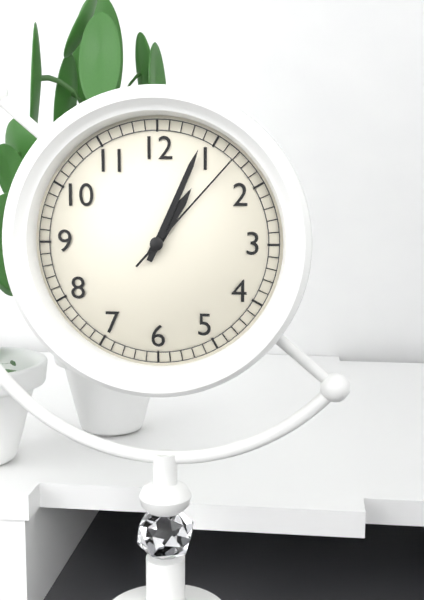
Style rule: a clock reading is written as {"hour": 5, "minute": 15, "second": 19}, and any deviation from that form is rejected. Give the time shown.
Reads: {"hour": 1, "minute": 4, "second": 7}
